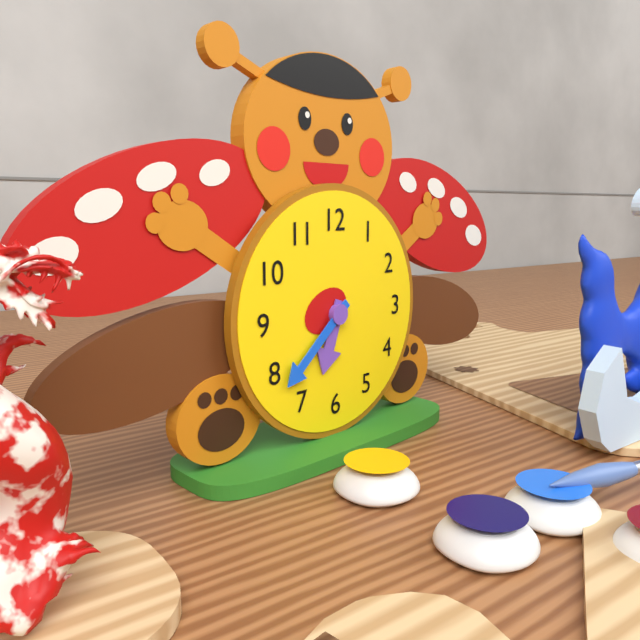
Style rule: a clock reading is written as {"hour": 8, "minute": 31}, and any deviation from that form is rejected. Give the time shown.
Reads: {"hour": 6, "minute": 38}
